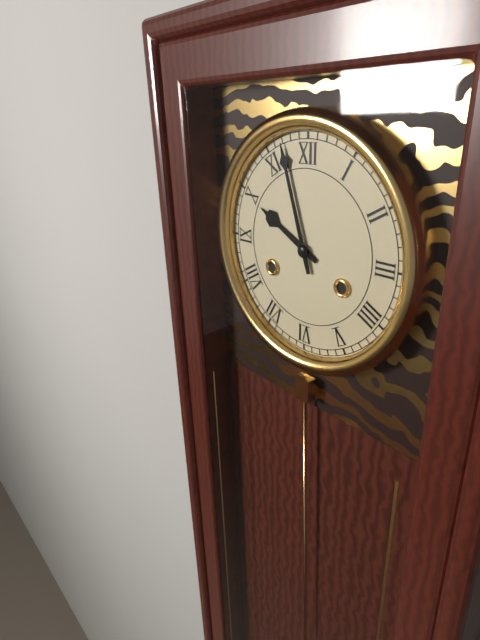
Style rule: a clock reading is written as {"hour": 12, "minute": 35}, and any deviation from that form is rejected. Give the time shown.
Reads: {"hour": 9, "minute": 57}
